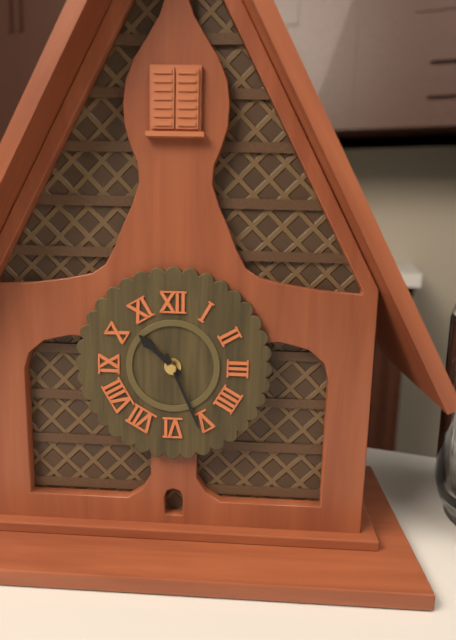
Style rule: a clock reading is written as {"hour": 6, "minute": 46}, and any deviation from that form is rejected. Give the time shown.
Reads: {"hour": 10, "minute": 26}
